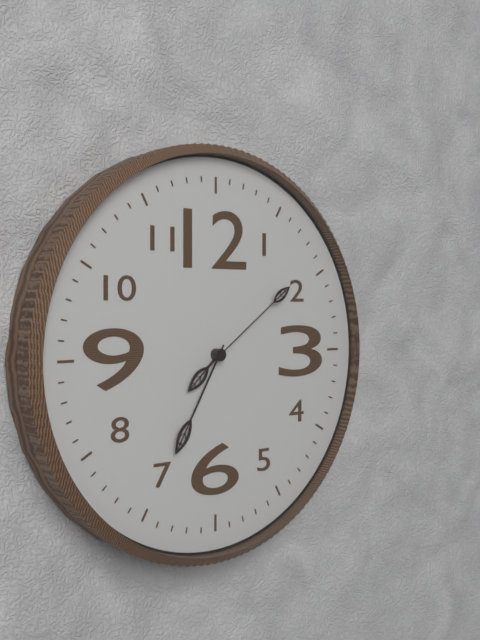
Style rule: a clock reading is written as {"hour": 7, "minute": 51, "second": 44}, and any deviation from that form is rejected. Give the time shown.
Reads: {"hour": 7, "minute": 35, "second": 9}
